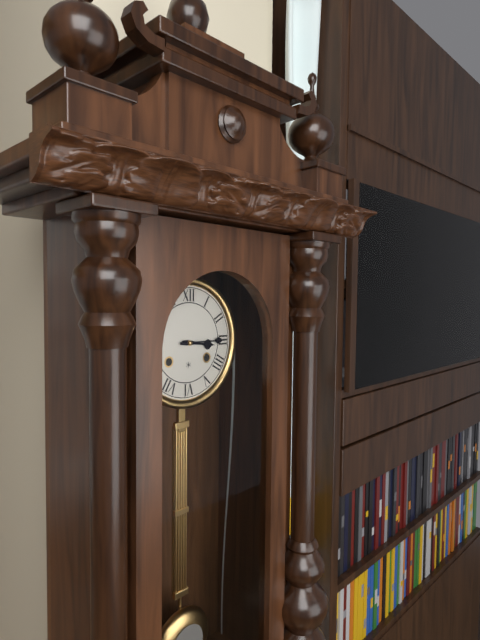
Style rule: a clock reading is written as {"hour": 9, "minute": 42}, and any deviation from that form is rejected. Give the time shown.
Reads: {"hour": 3, "minute": 15}
